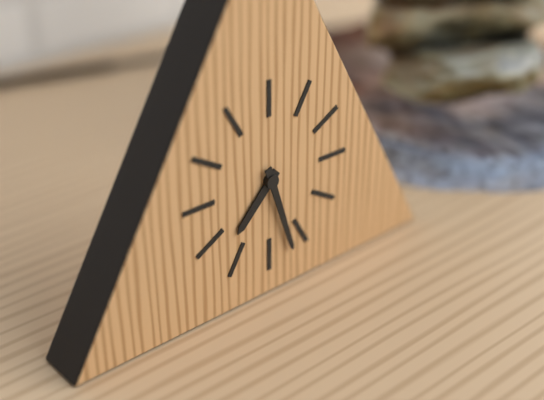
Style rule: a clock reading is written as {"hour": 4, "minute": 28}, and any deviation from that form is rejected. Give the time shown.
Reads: {"hour": 7, "minute": 27}
